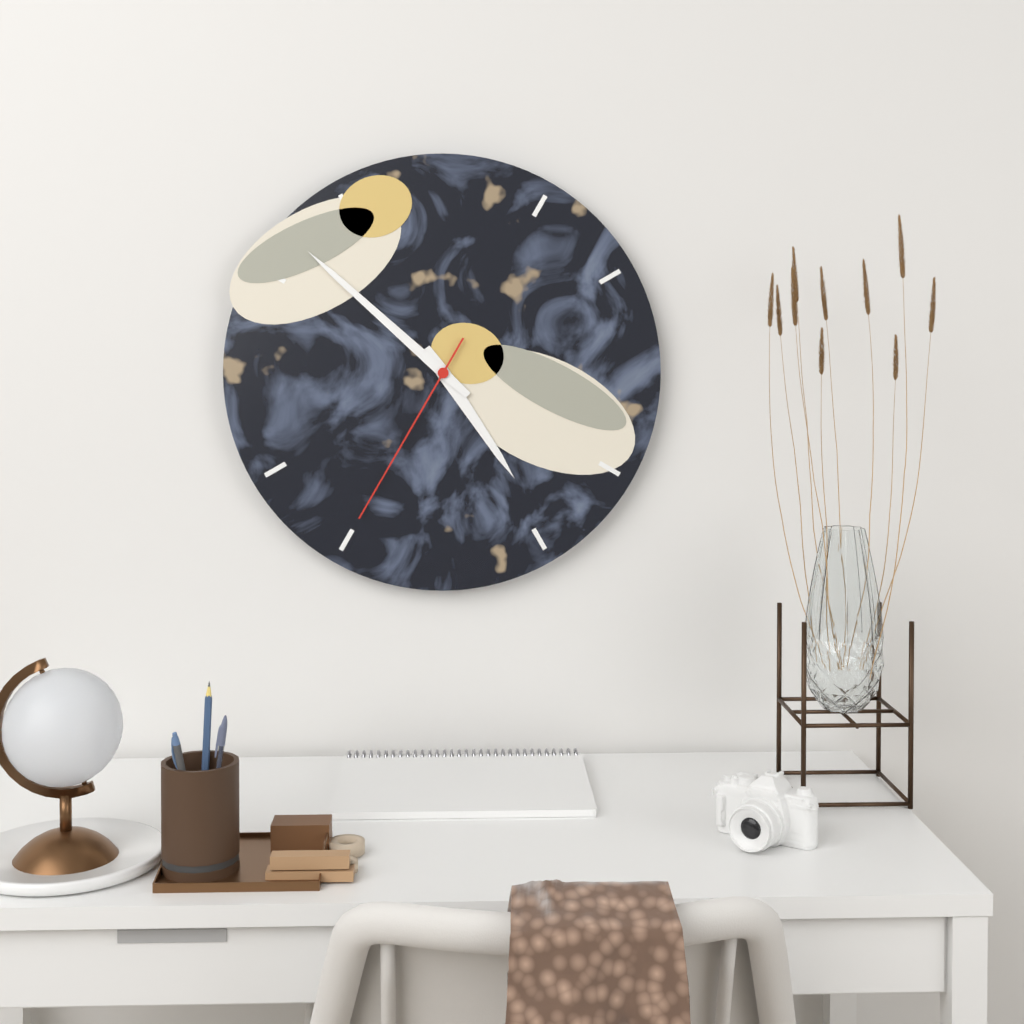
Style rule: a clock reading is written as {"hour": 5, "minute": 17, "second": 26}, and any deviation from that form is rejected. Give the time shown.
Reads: {"hour": 4, "minute": 52, "second": 35}
